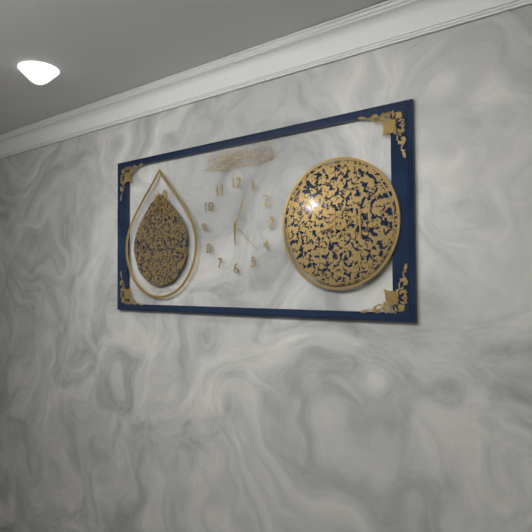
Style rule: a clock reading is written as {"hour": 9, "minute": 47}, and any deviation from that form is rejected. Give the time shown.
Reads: {"hour": 6, "minute": 4}
